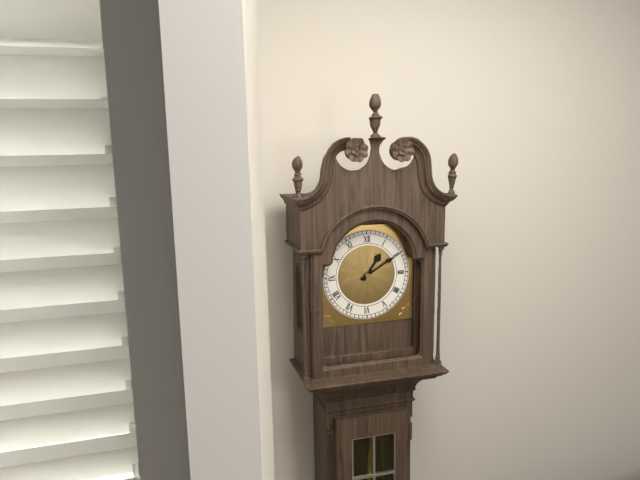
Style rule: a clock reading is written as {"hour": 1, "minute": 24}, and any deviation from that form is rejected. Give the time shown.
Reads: {"hour": 1, "minute": 10}
